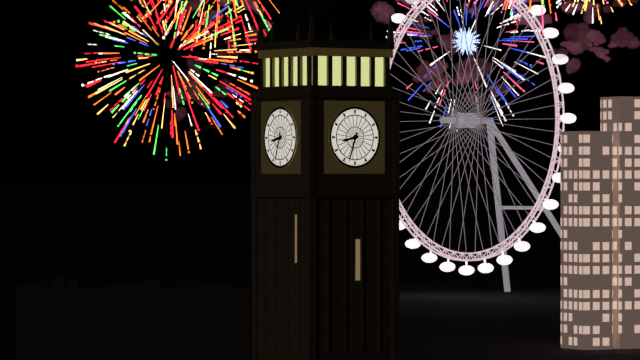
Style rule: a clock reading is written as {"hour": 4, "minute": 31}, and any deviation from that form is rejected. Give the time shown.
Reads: {"hour": 8, "minute": 33}
